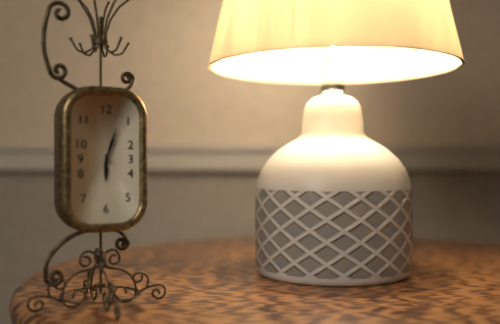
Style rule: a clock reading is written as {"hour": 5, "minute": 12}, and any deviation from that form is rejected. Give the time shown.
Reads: {"hour": 6, "minute": 3}
